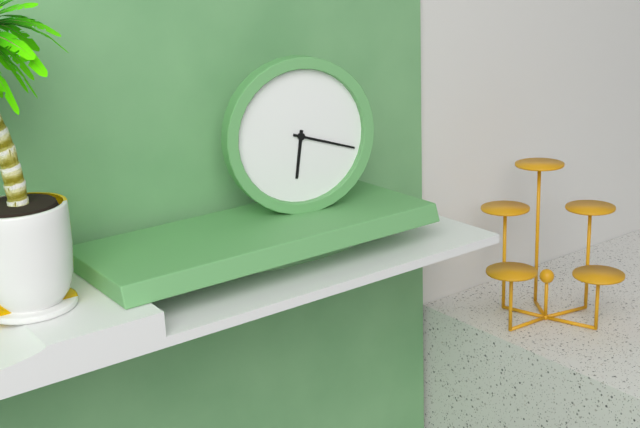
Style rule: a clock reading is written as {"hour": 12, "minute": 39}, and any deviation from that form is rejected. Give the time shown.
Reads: {"hour": 6, "minute": 18}
